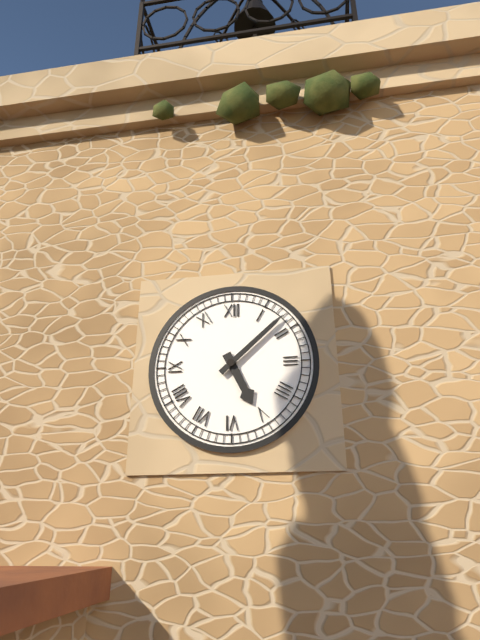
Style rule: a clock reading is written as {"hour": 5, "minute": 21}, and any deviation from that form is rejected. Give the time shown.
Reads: {"hour": 5, "minute": 8}
